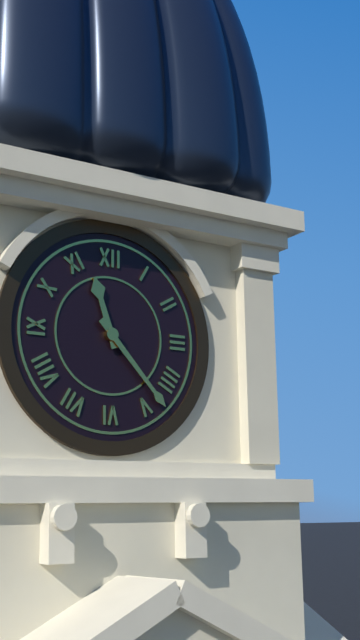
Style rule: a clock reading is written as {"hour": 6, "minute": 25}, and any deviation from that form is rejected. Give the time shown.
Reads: {"hour": 11, "minute": 23}
